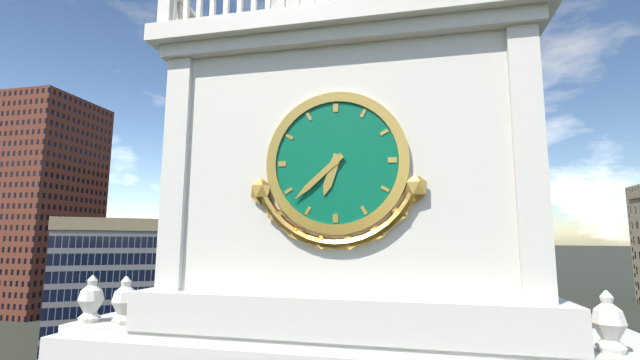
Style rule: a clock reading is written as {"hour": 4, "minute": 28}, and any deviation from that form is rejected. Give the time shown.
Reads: {"hour": 6, "minute": 38}
